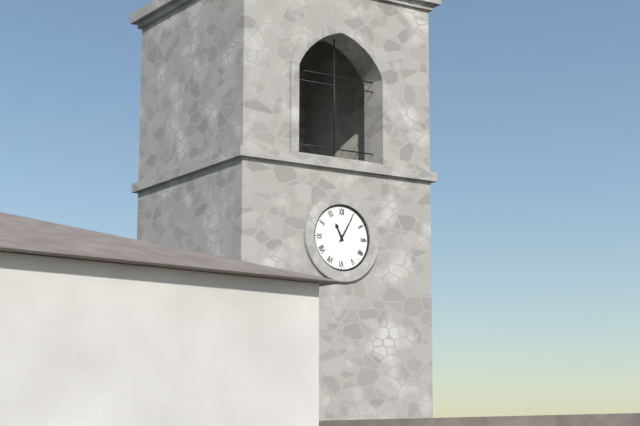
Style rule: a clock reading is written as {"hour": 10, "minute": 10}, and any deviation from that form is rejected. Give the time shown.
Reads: {"hour": 11, "minute": 5}
